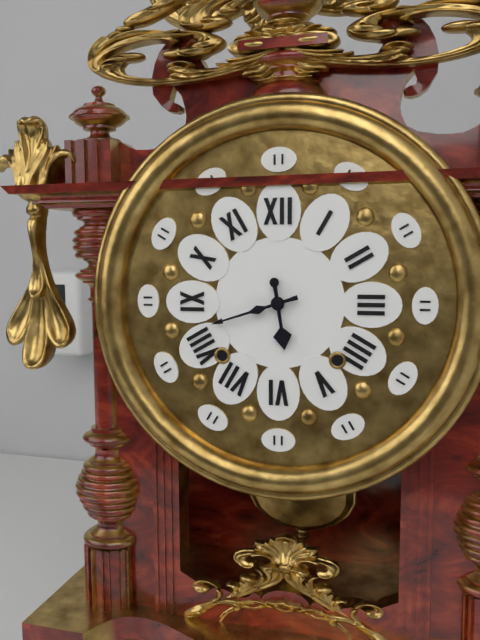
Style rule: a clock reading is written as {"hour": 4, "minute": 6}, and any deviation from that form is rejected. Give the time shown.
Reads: {"hour": 5, "minute": 42}
